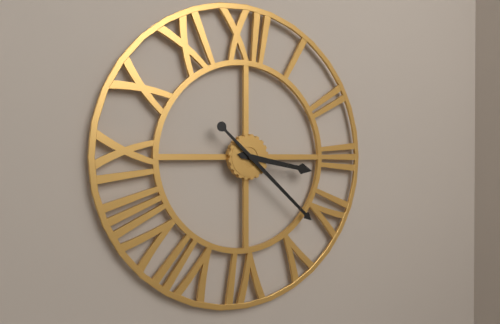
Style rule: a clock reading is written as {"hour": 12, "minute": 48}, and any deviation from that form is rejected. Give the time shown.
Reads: {"hour": 3, "minute": 22}
